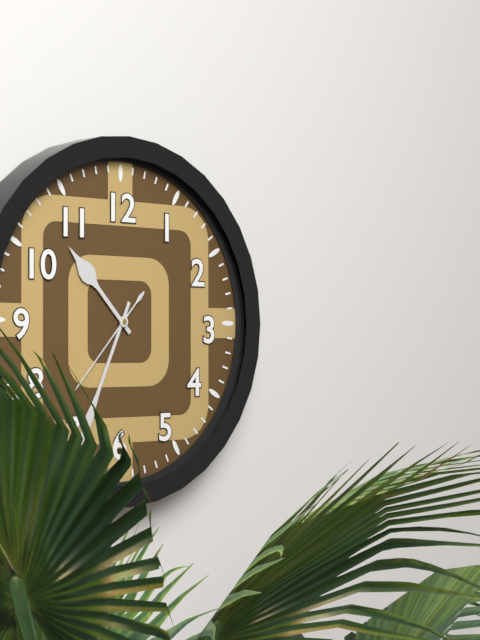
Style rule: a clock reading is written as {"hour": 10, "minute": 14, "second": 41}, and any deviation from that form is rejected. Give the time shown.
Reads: {"hour": 10, "minute": 34, "second": 37}
